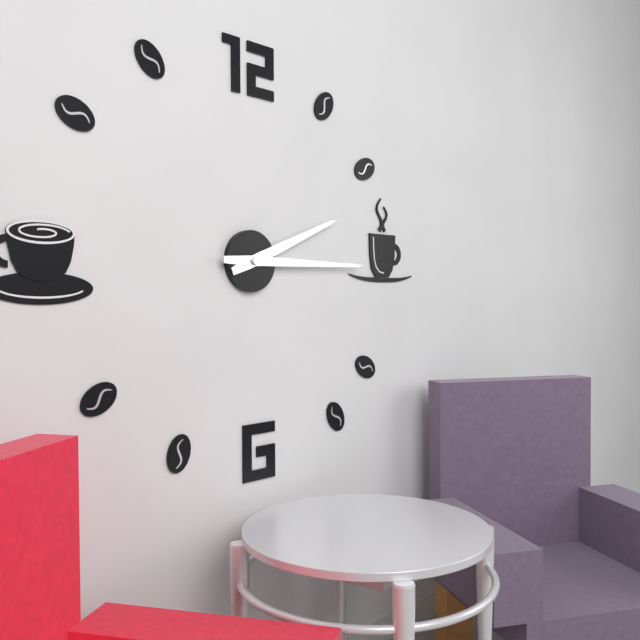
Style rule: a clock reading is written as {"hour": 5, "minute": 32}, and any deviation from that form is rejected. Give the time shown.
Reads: {"hour": 2, "minute": 15}
